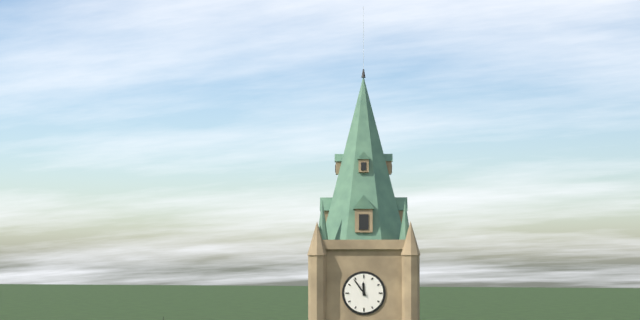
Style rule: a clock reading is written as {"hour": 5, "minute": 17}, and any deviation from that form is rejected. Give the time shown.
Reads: {"hour": 11, "minute": 54}
